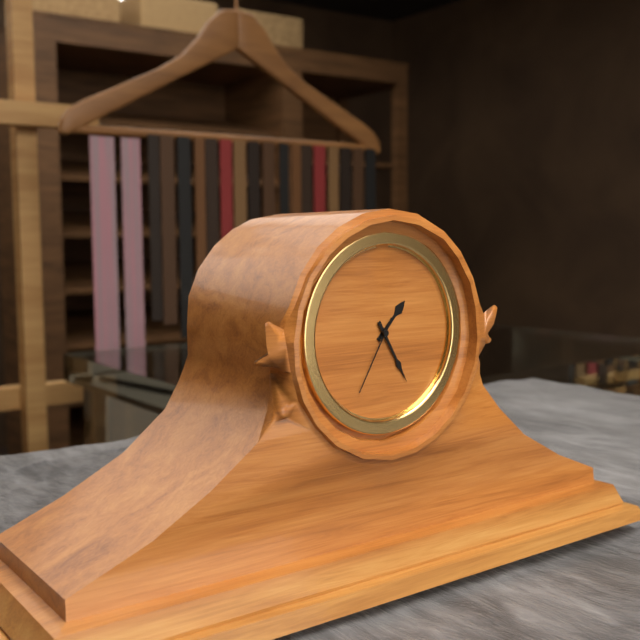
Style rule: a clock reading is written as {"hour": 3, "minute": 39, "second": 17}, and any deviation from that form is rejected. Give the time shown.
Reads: {"hour": 1, "minute": 25, "second": 35}
